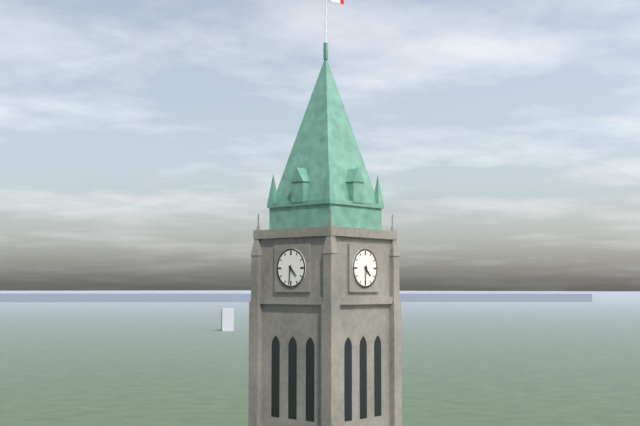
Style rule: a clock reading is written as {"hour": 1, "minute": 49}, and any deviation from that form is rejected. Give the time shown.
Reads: {"hour": 4, "minute": 31}
